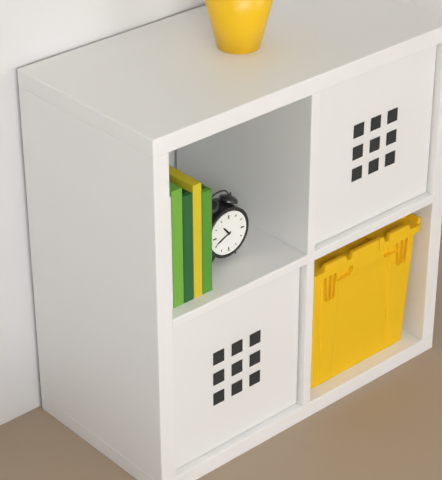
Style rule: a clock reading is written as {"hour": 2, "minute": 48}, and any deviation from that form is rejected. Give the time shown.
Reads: {"hour": 10, "minute": 41}
